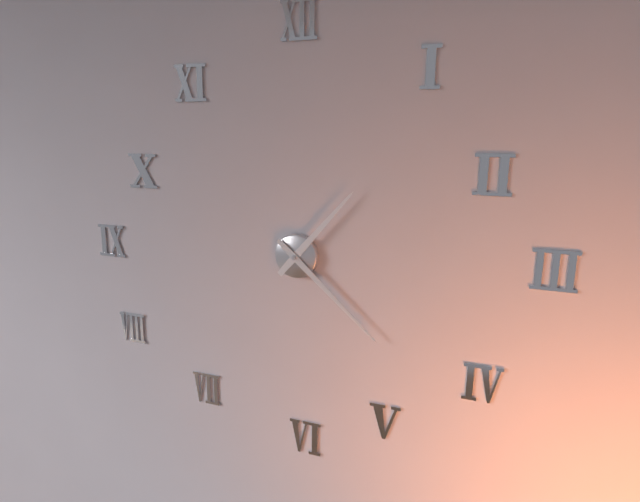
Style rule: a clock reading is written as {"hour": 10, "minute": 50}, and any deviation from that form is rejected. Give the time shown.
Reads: {"hour": 1, "minute": 22}
